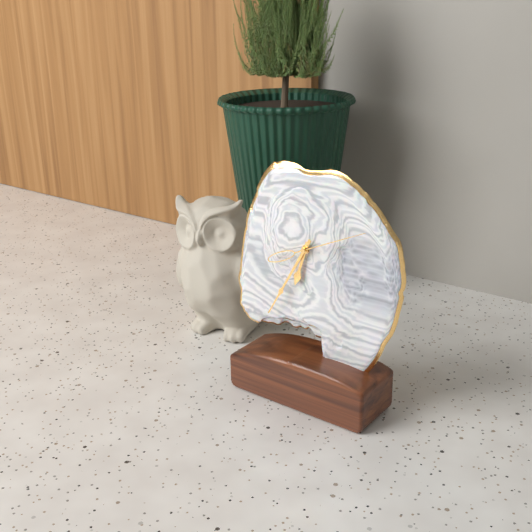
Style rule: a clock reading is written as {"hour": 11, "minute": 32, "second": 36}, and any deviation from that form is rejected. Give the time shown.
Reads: {"hour": 6, "minute": 35, "second": 11}
